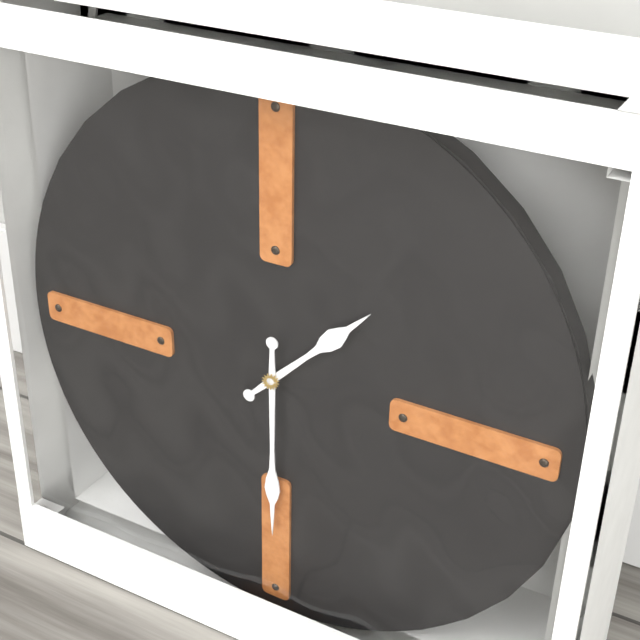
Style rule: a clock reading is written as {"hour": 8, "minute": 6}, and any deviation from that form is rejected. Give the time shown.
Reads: {"hour": 1, "minute": 30}
